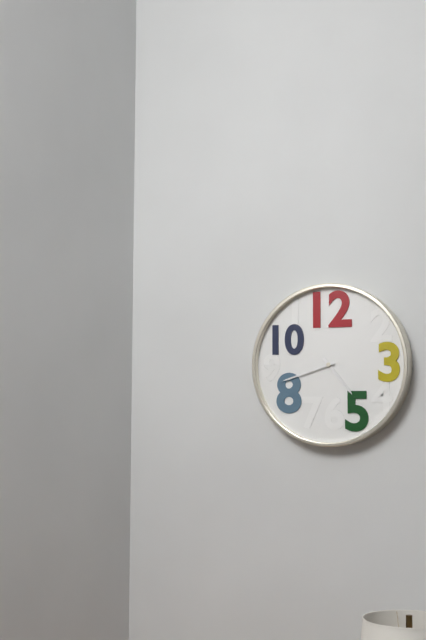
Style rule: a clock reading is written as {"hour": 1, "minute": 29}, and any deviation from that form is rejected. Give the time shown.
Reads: {"hour": 4, "minute": 42}
